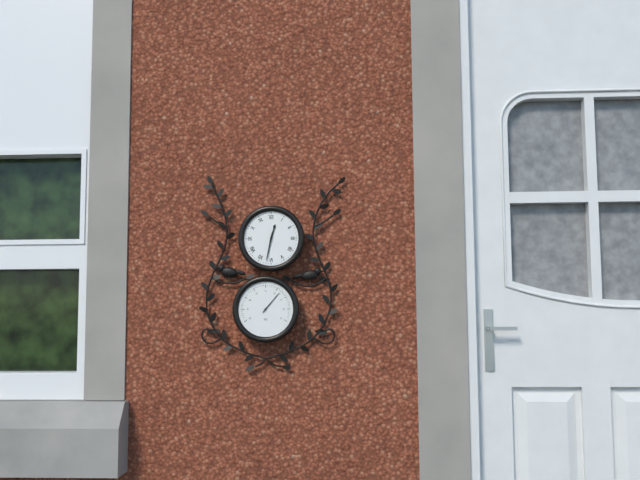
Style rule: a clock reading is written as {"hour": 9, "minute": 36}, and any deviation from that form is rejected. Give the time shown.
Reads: {"hour": 12, "minute": 32}
